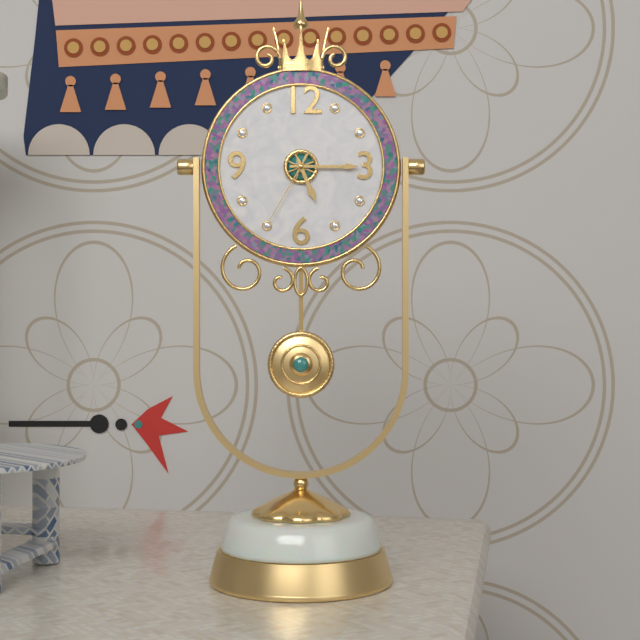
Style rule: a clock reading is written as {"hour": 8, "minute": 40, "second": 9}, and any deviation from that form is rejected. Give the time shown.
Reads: {"hour": 5, "minute": 15, "second": 35}
